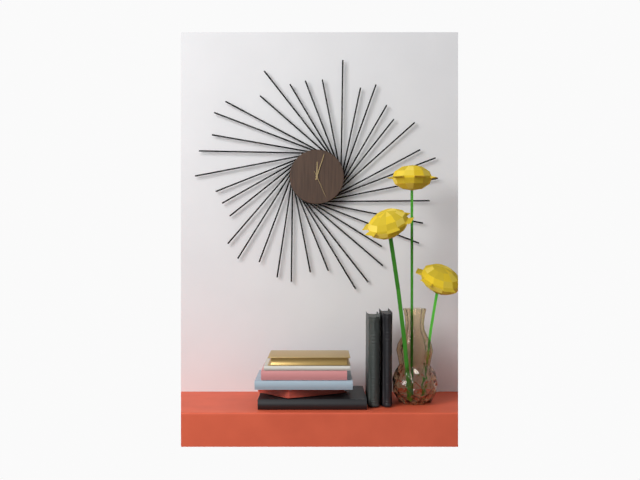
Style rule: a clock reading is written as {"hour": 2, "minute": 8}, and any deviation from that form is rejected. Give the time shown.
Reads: {"hour": 12, "minute": 3}
